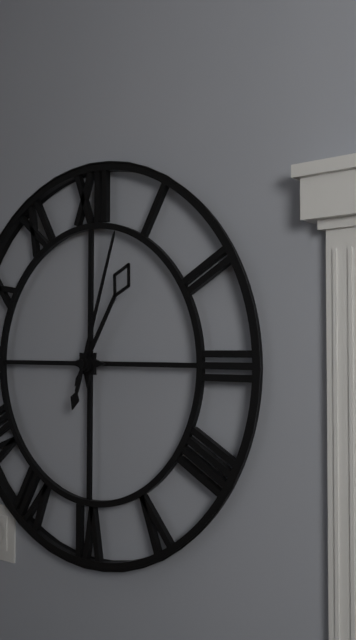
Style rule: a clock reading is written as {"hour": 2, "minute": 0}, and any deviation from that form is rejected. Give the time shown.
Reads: {"hour": 1, "minute": 3}
